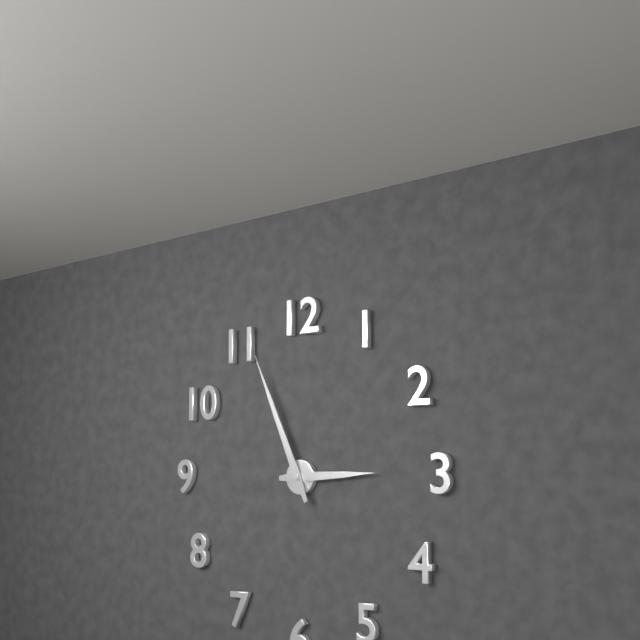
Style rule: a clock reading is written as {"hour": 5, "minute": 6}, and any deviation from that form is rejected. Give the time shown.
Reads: {"hour": 2, "minute": 56}
